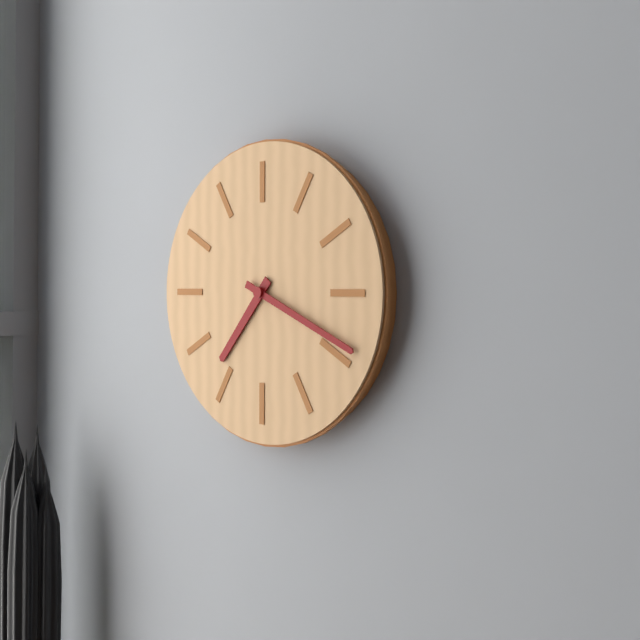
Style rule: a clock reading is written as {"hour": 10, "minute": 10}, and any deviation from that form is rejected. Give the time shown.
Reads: {"hour": 7, "minute": 19}
